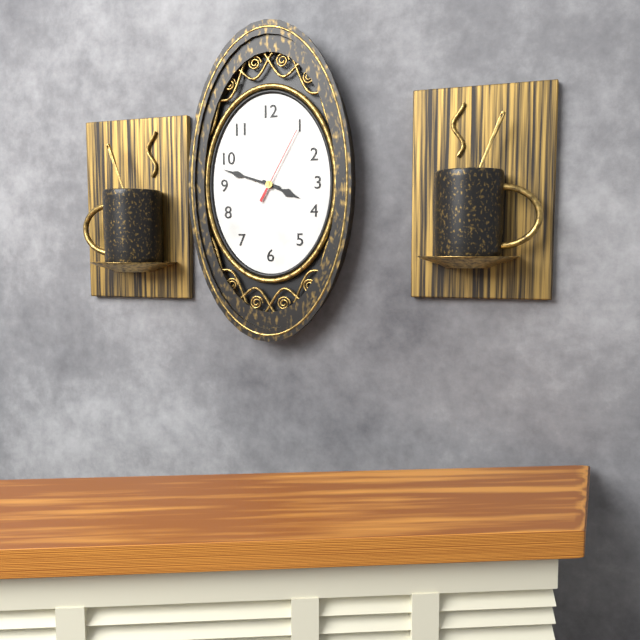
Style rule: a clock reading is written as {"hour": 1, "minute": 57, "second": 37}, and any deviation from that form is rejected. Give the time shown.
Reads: {"hour": 3, "minute": 48, "second": 5}
